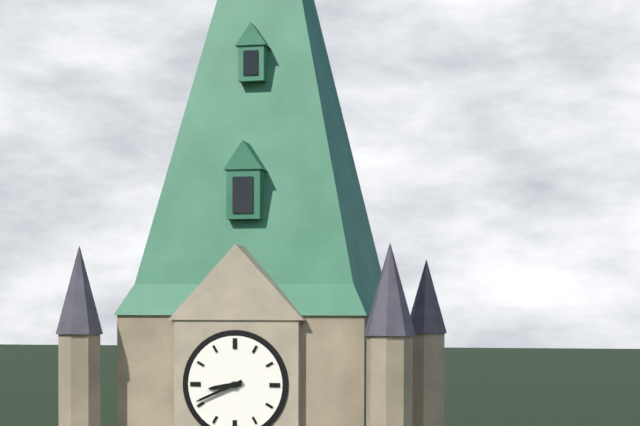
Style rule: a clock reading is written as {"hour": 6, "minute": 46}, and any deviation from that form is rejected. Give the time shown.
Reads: {"hour": 8, "minute": 41}
